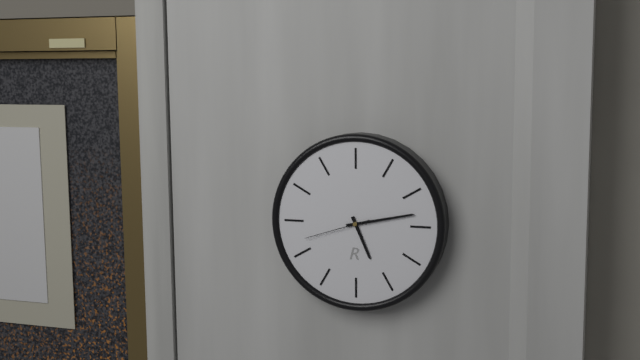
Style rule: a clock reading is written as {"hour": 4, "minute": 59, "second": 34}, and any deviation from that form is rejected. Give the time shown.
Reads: {"hour": 5, "minute": 13, "second": 42}
